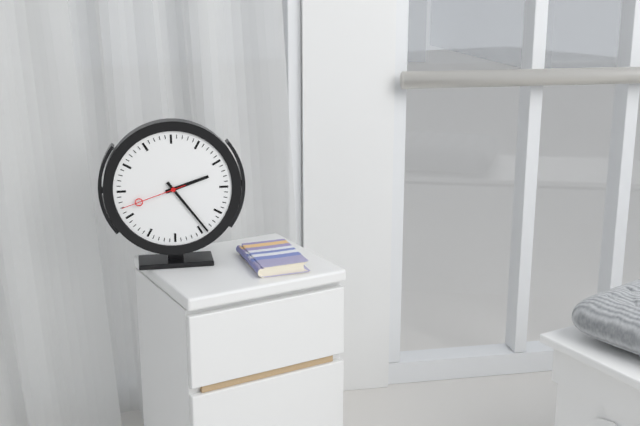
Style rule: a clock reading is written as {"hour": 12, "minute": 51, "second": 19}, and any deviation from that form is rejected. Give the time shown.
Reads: {"hour": 2, "minute": 24, "second": 42}
